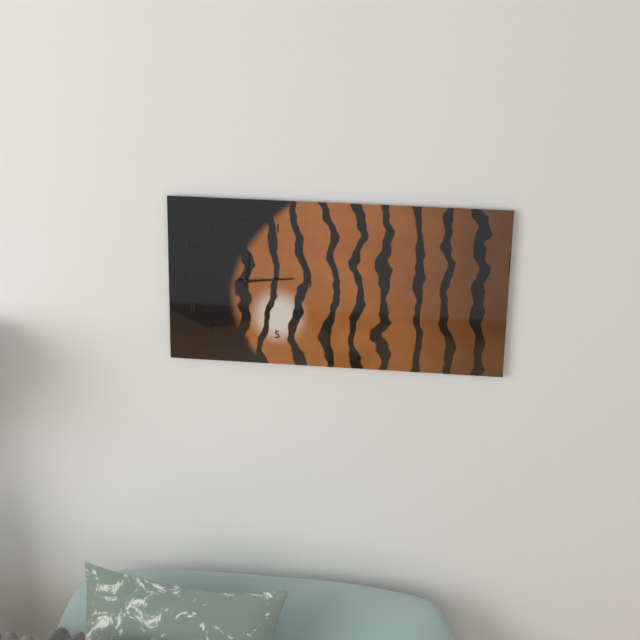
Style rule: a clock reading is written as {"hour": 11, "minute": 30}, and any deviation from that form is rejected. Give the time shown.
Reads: {"hour": 12, "minute": 14}
